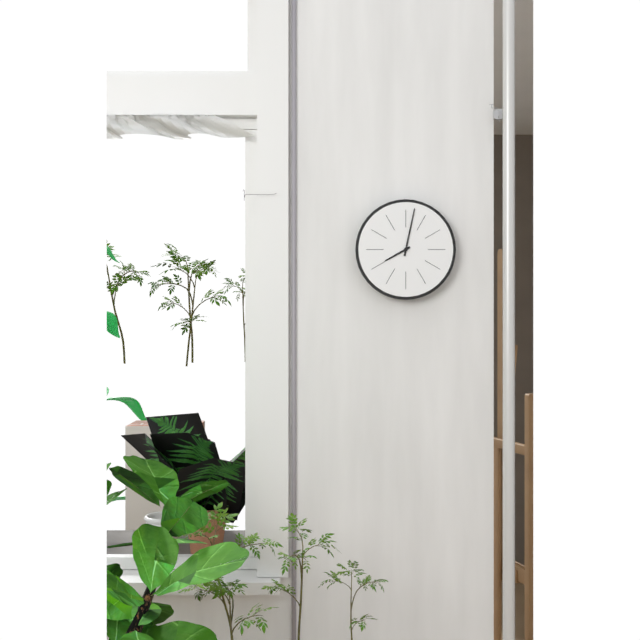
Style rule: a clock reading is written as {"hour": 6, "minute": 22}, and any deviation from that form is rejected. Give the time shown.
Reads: {"hour": 8, "minute": 2}
